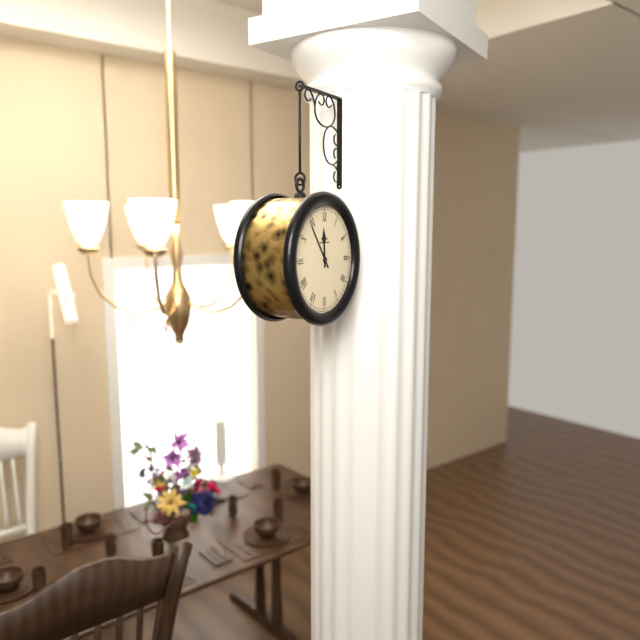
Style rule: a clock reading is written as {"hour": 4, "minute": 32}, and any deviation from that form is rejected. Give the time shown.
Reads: {"hour": 11, "minute": 54}
